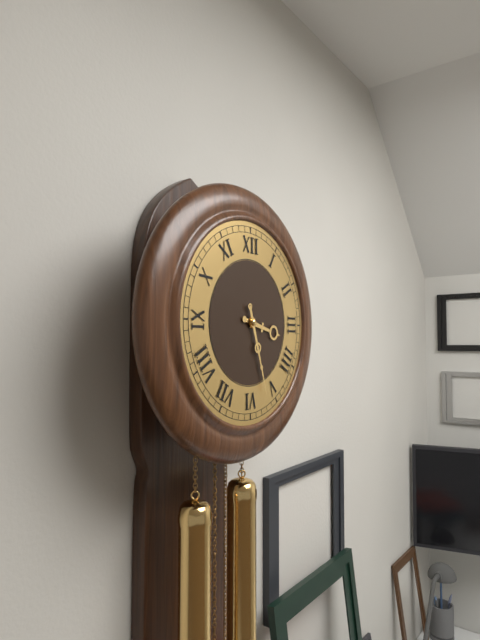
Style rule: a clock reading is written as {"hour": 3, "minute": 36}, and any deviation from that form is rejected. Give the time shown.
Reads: {"hour": 3, "minute": 27}
